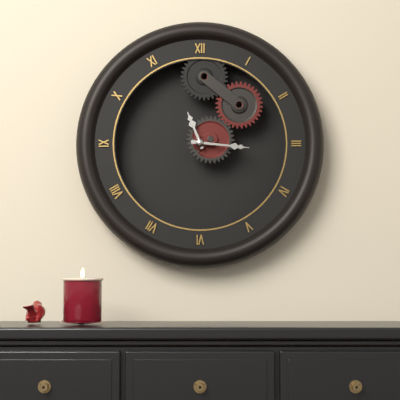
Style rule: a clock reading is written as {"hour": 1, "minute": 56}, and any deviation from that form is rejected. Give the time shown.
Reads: {"hour": 11, "minute": 16}
